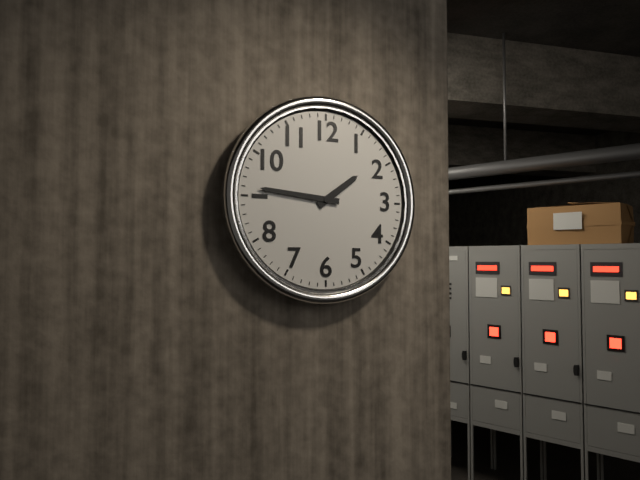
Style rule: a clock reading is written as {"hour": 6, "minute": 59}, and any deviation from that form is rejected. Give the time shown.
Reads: {"hour": 1, "minute": 46}
